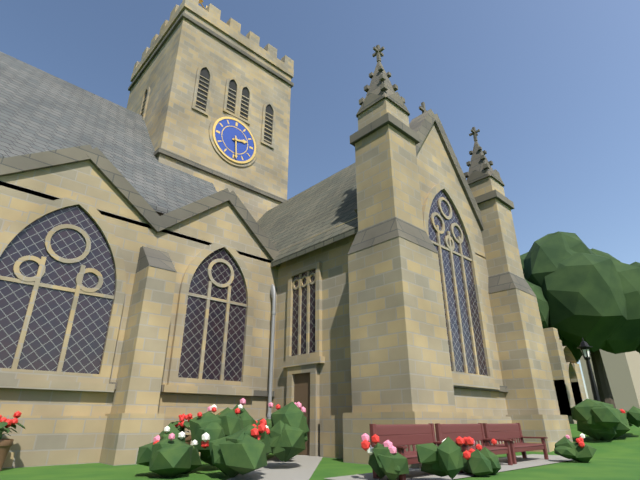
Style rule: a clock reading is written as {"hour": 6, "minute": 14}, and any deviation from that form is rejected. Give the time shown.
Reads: {"hour": 2, "minute": 29}
